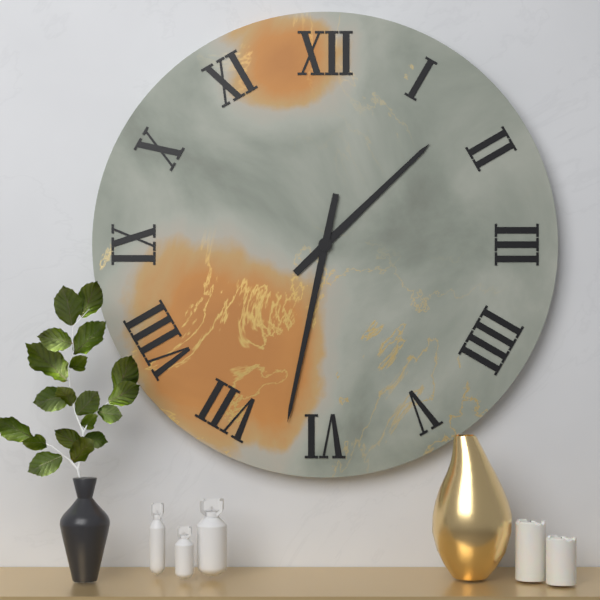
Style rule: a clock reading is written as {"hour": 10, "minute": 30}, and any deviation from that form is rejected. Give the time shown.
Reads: {"hour": 1, "minute": 32}
